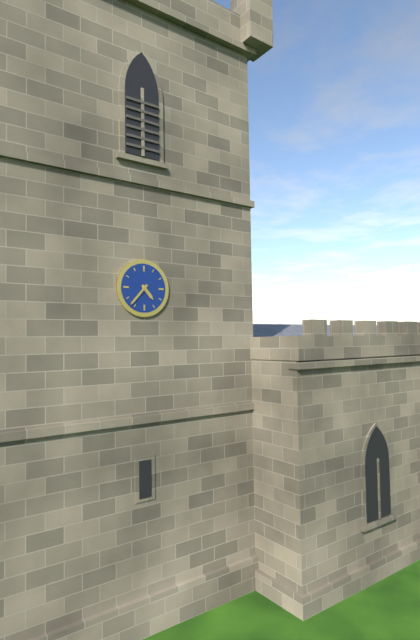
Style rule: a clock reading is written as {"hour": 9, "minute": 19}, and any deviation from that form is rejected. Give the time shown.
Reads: {"hour": 4, "minute": 37}
